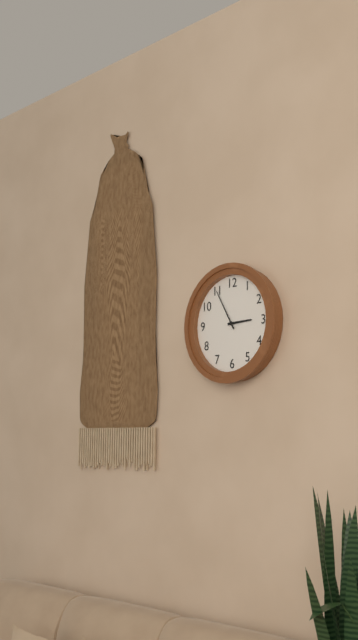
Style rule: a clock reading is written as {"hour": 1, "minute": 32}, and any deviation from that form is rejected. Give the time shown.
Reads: {"hour": 2, "minute": 55}
